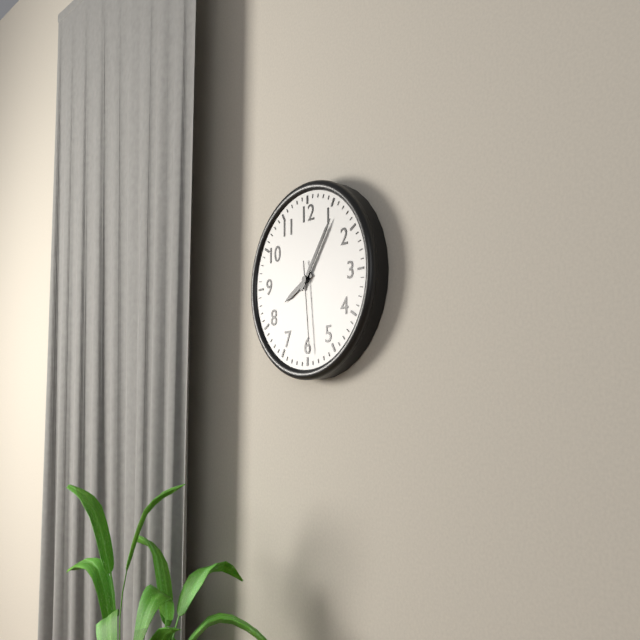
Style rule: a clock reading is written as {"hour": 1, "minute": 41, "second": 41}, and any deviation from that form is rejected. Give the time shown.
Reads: {"hour": 8, "minute": 6, "second": 29}
